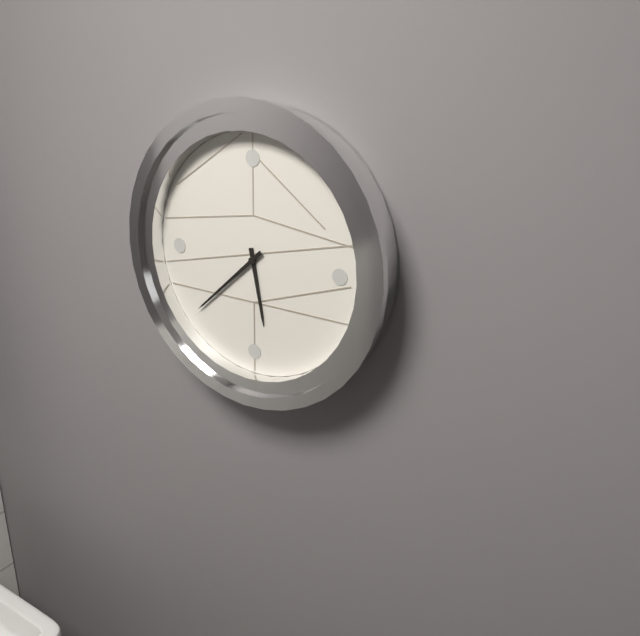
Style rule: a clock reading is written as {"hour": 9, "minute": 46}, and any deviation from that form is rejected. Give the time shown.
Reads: {"hour": 5, "minute": 38}
